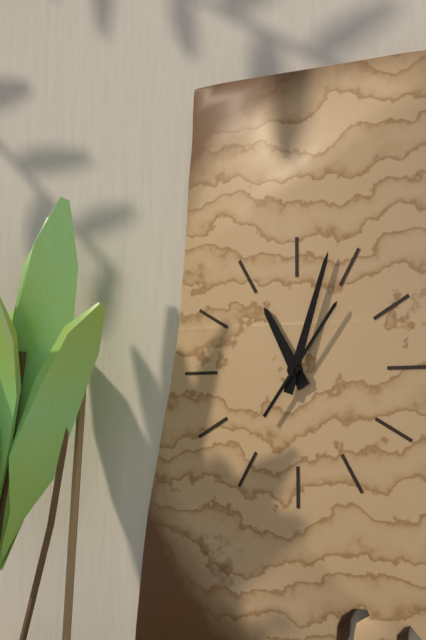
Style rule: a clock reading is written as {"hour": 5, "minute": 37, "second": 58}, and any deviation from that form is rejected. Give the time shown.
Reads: {"hour": 11, "minute": 3, "second": 6}
